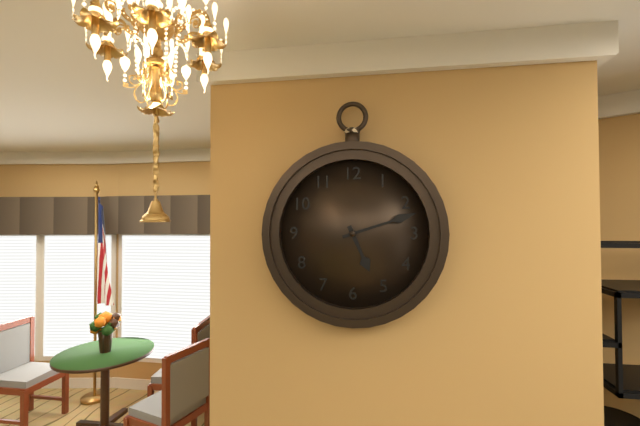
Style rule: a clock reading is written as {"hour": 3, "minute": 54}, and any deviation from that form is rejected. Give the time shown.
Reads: {"hour": 5, "minute": 12}
